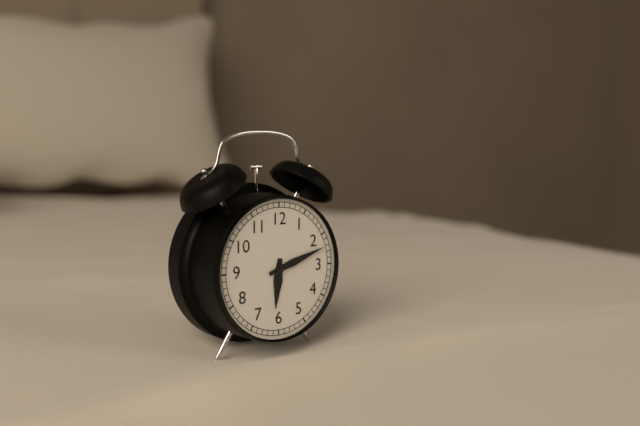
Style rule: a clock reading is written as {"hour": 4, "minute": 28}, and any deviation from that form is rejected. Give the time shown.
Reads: {"hour": 6, "minute": 12}
